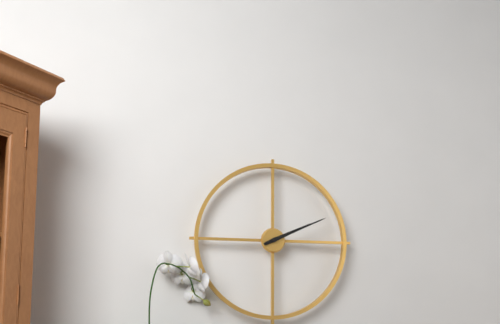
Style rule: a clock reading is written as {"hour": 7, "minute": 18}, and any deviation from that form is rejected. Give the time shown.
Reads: {"hour": 2, "minute": 11}
